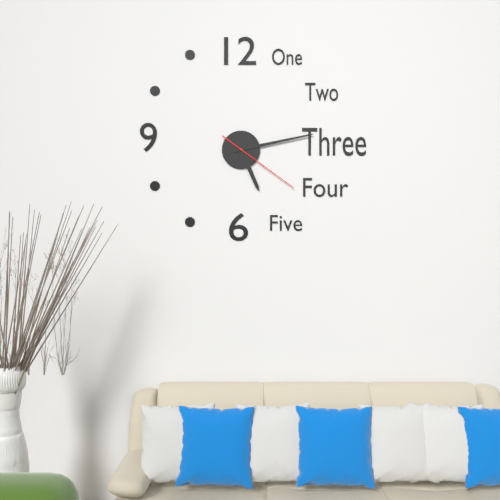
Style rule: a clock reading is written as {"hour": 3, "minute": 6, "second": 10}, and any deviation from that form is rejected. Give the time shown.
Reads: {"hour": 5, "minute": 13, "second": 21}
